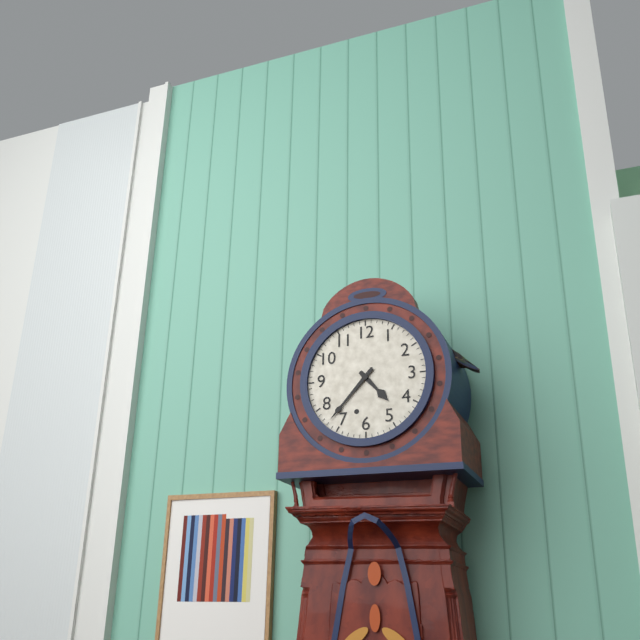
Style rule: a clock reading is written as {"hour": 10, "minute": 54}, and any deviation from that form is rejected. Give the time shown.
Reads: {"hour": 4, "minute": 37}
